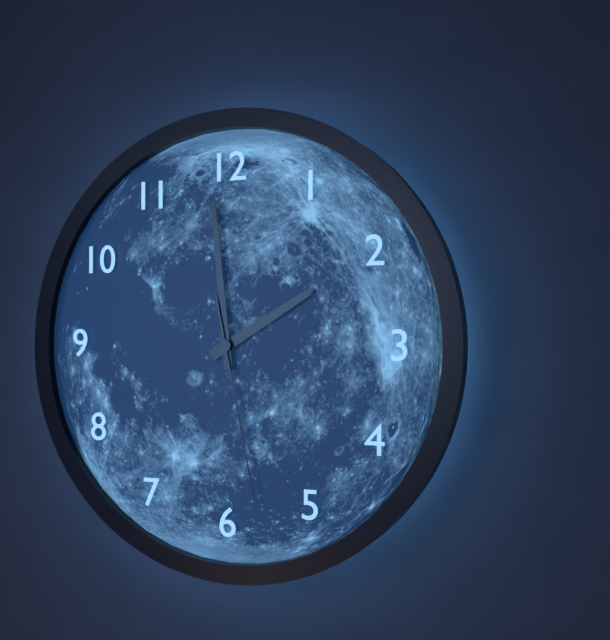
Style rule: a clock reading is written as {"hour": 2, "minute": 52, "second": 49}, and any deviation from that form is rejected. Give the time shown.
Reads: {"hour": 1, "minute": 59, "second": 28}
